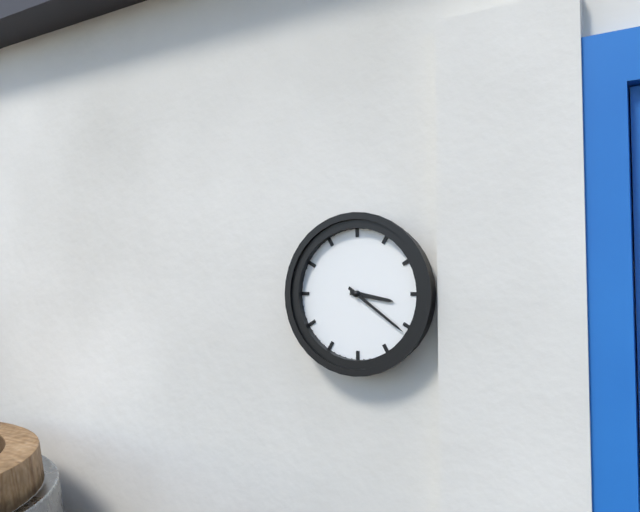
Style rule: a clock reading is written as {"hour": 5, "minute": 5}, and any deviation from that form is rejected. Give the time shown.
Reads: {"hour": 3, "minute": 21}
